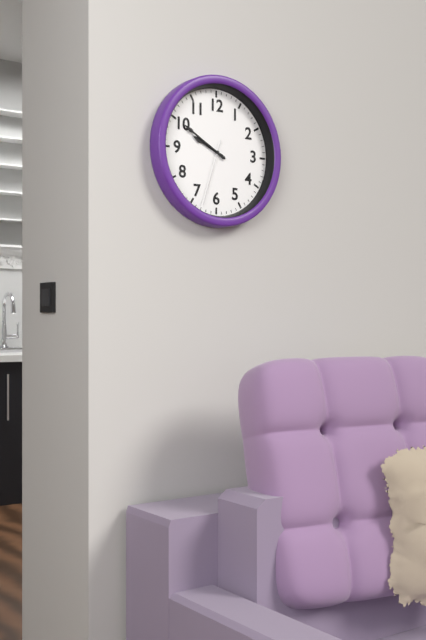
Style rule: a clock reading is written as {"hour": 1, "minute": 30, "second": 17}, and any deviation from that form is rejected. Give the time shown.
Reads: {"hour": 9, "minute": 50, "second": 33}
